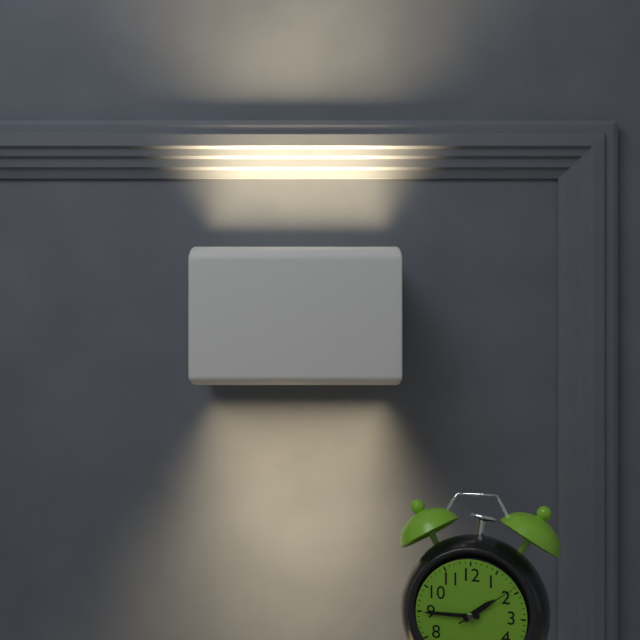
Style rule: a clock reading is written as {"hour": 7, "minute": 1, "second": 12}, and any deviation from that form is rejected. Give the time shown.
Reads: {"hour": 1, "minute": 45, "second": 9}
